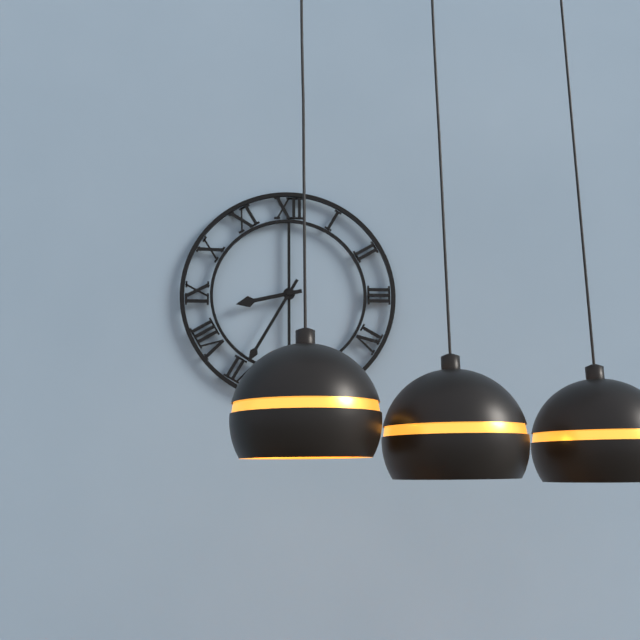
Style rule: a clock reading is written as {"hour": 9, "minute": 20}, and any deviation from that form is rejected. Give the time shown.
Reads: {"hour": 8, "minute": 35}
